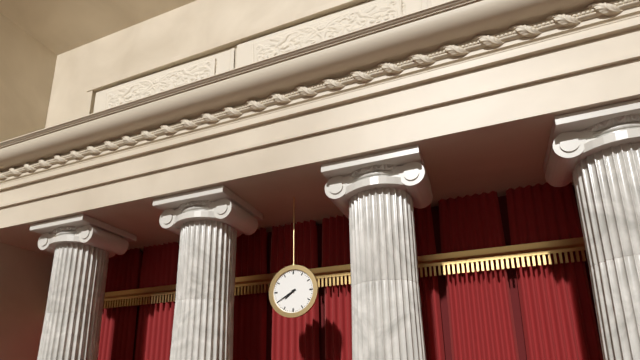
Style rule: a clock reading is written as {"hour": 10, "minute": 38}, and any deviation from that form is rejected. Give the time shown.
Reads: {"hour": 7, "minute": 40}
